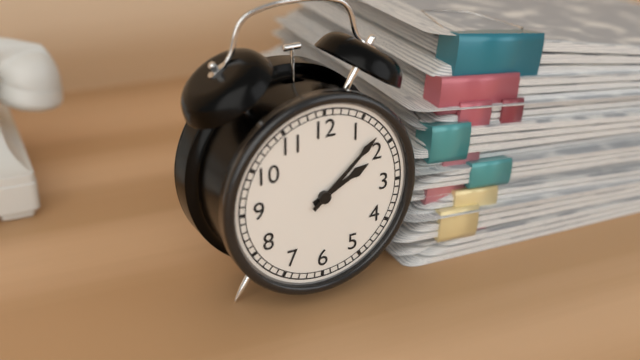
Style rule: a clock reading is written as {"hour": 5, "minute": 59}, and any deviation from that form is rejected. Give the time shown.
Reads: {"hour": 2, "minute": 8}
